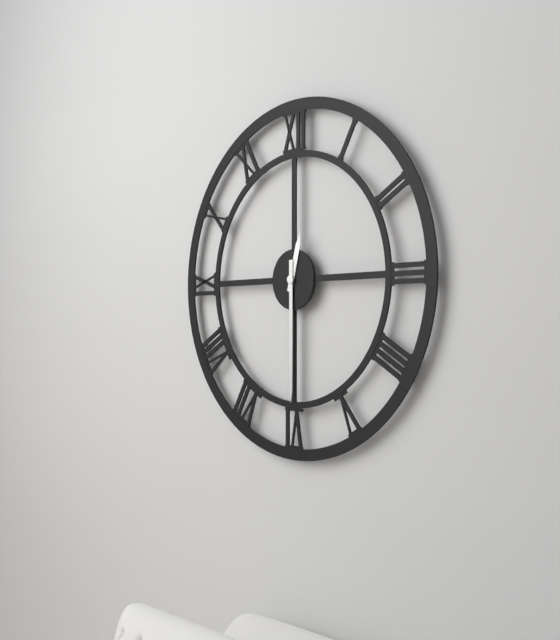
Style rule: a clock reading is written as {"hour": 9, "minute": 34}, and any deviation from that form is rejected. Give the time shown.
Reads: {"hour": 12, "minute": 30}
